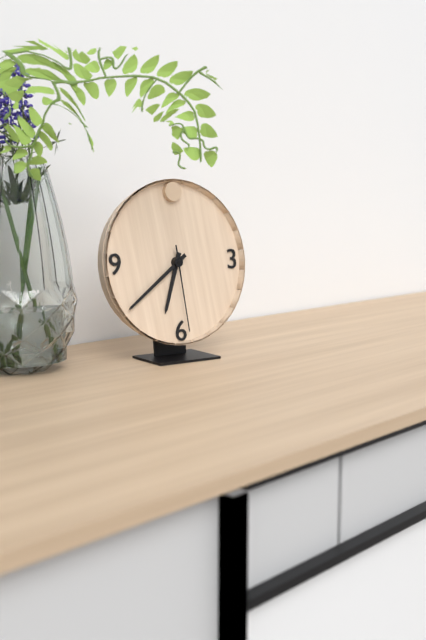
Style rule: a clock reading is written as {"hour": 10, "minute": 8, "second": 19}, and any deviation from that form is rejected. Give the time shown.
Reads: {"hour": 6, "minute": 39, "second": 29}
